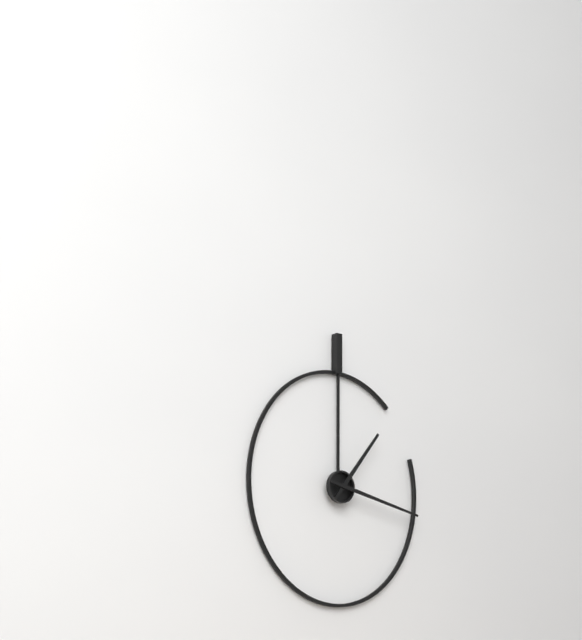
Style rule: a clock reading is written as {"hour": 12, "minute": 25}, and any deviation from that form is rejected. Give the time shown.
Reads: {"hour": 1, "minute": 17}
